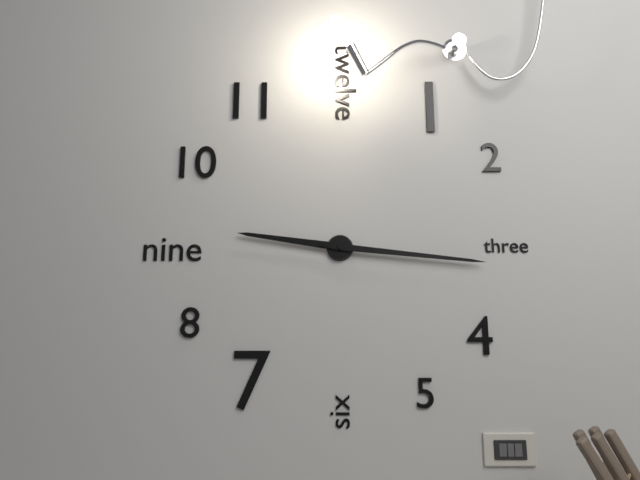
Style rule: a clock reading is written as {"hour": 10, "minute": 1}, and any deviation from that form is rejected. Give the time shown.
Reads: {"hour": 9, "minute": 16}
